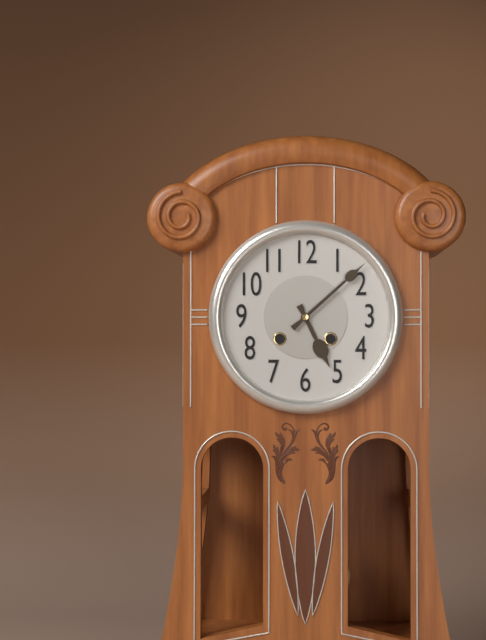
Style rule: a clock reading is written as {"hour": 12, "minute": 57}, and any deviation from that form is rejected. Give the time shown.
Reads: {"hour": 5, "minute": 8}
